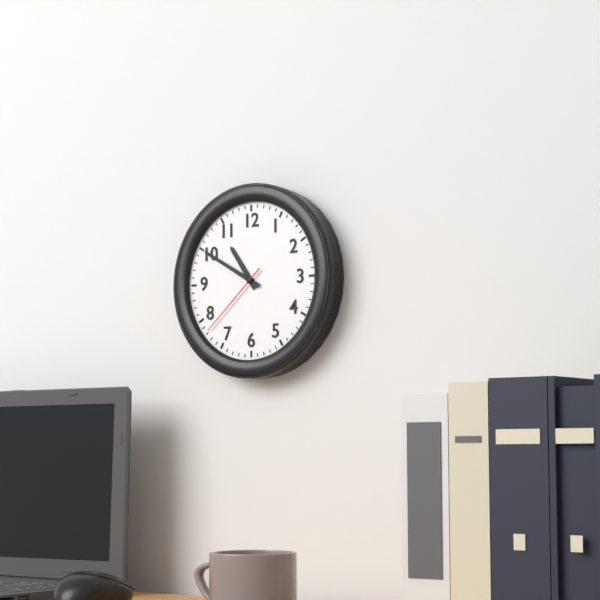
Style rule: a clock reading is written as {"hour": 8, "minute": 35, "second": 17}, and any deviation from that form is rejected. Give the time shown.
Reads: {"hour": 10, "minute": 50, "second": 38}
